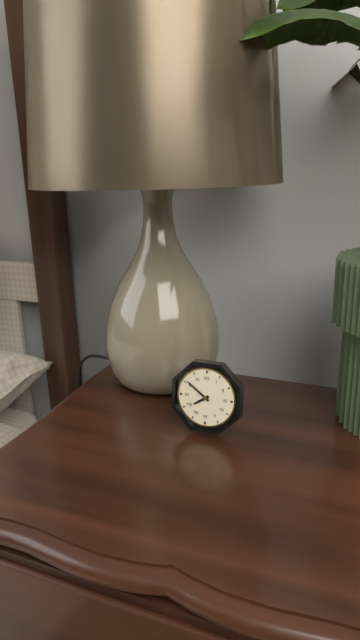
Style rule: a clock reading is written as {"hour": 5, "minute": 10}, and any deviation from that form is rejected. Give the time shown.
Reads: {"hour": 7, "minute": 51}
